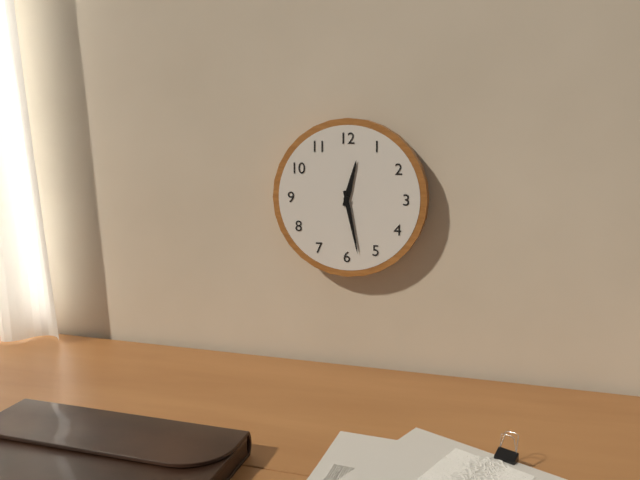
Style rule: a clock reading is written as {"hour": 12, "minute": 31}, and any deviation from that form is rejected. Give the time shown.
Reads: {"hour": 12, "minute": 28}
